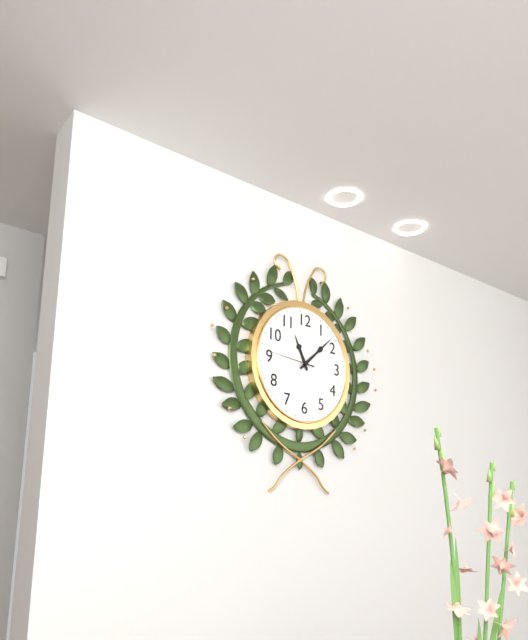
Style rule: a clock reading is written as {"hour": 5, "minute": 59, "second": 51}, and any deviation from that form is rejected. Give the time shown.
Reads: {"hour": 11, "minute": 8, "second": 46}
